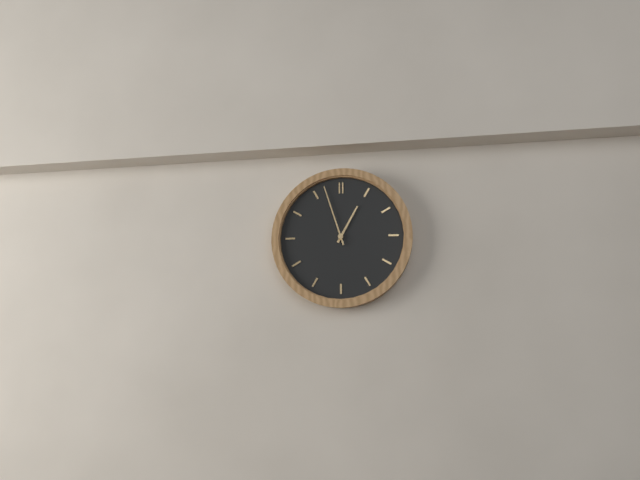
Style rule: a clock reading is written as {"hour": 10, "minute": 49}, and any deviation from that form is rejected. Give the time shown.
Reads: {"hour": 12, "minute": 57}
